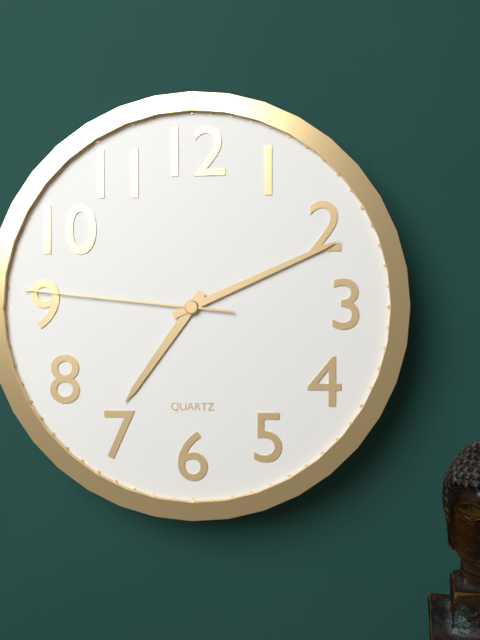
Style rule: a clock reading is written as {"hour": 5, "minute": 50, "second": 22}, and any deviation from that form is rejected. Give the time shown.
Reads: {"hour": 7, "minute": 11, "second": 46}
